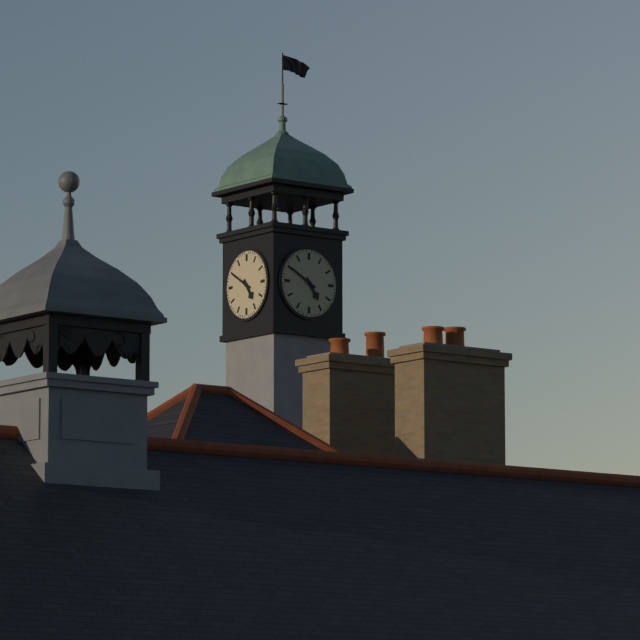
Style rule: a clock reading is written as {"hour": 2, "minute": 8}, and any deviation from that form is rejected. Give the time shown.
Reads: {"hour": 4, "minute": 50}
